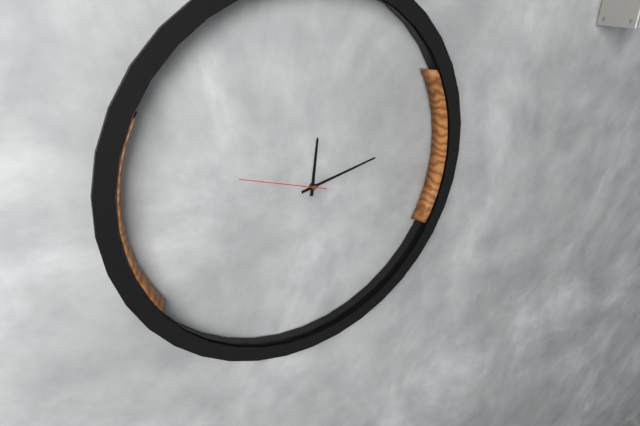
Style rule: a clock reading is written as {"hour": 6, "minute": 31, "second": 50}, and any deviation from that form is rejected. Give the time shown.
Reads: {"hour": 12, "minute": 13, "second": 48}
